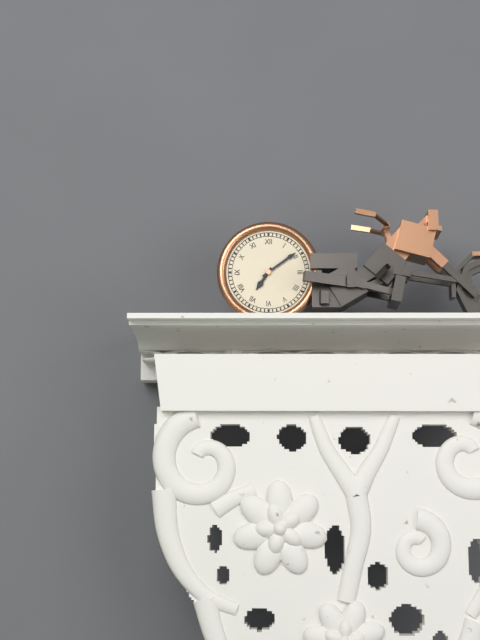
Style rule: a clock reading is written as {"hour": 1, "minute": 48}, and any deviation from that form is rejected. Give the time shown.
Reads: {"hour": 7, "minute": 9}
